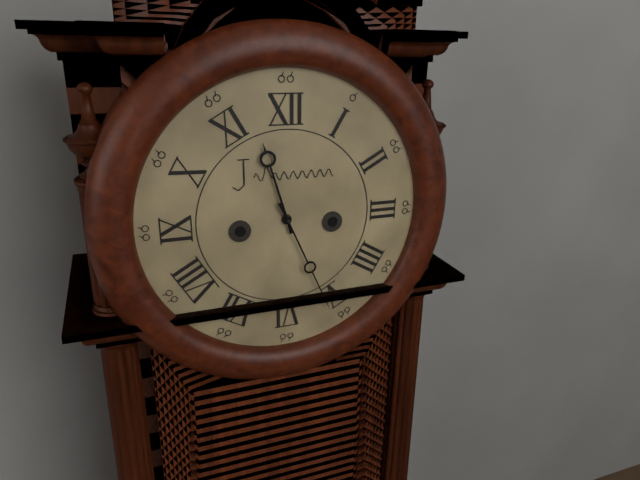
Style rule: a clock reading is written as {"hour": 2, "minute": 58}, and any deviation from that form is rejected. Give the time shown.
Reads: {"hour": 11, "minute": 26}
